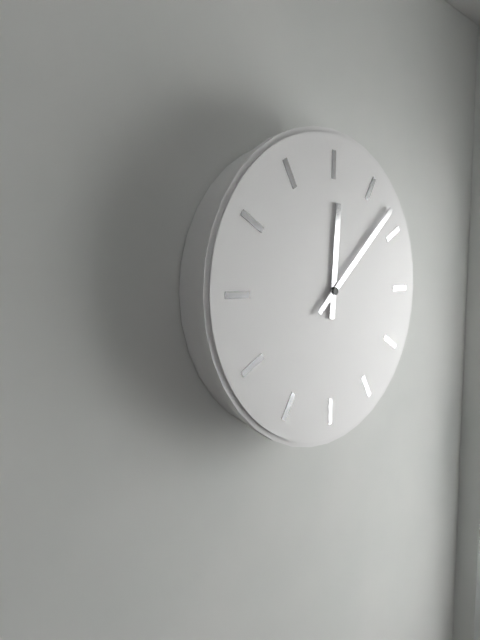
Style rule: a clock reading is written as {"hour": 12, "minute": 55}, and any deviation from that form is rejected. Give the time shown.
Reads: {"hour": 12, "minute": 8}
